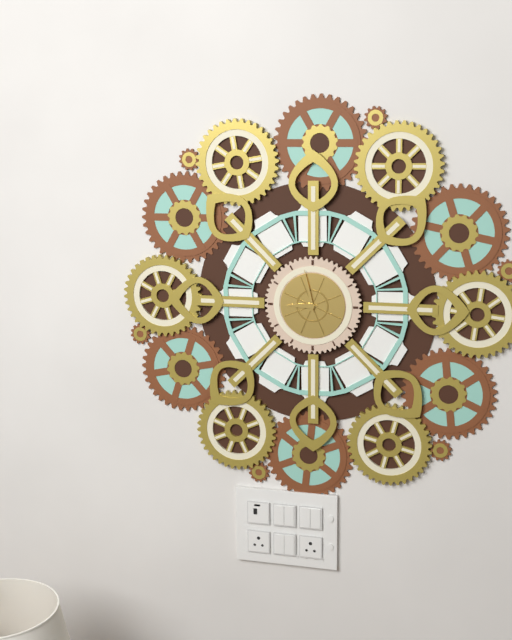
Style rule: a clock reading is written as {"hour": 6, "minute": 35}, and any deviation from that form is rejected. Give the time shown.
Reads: {"hour": 8, "minute": 58}
